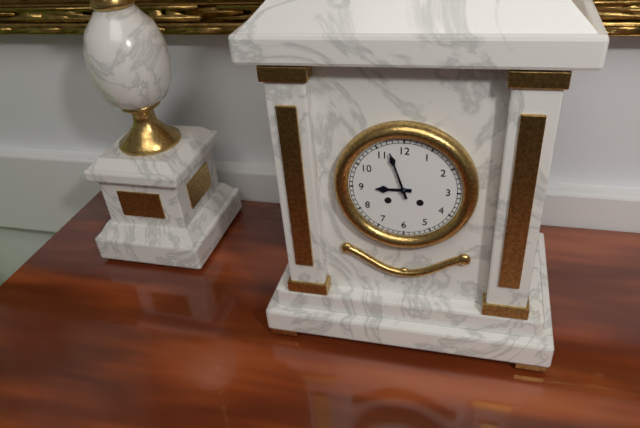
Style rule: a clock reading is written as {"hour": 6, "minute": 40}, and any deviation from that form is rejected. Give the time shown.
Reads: {"hour": 8, "minute": 57}
